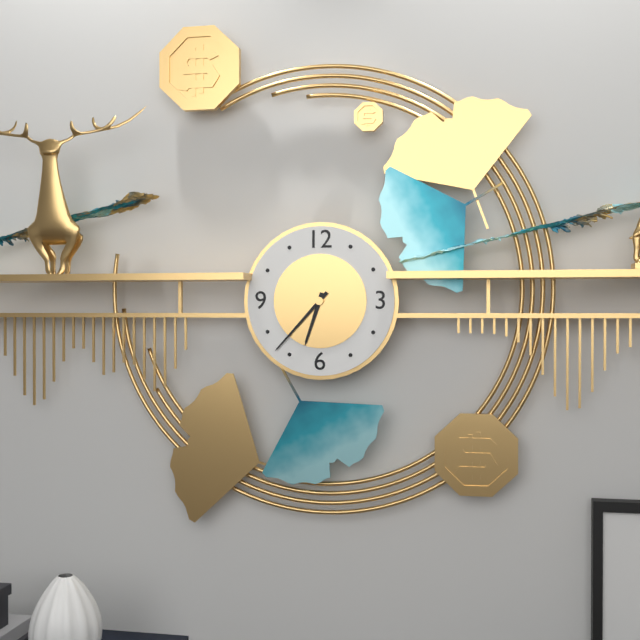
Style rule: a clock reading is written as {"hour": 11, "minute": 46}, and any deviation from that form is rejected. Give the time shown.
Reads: {"hour": 6, "minute": 37}
